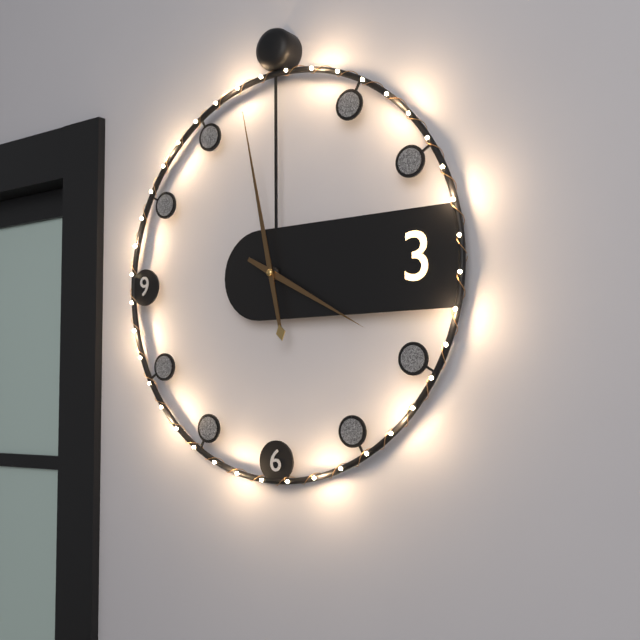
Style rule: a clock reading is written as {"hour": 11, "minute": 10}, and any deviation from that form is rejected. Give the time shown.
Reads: {"hour": 3, "minute": 58}
